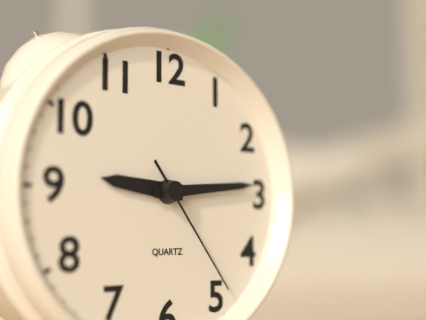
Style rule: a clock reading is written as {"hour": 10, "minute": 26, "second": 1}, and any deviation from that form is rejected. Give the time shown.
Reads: {"hour": 9, "minute": 14, "second": 24}
